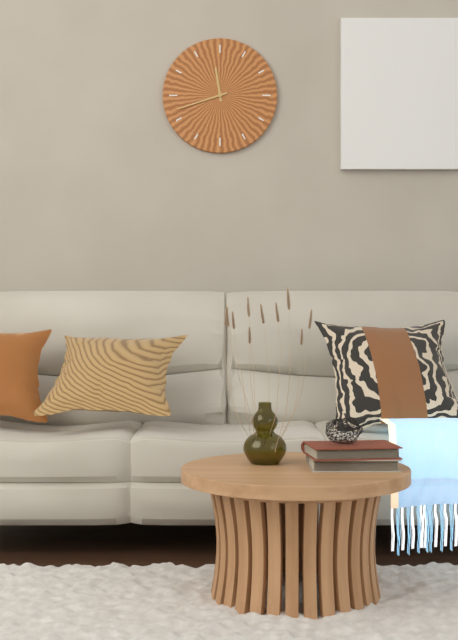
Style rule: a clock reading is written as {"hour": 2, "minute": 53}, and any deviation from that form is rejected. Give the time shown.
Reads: {"hour": 11, "minute": 42}
